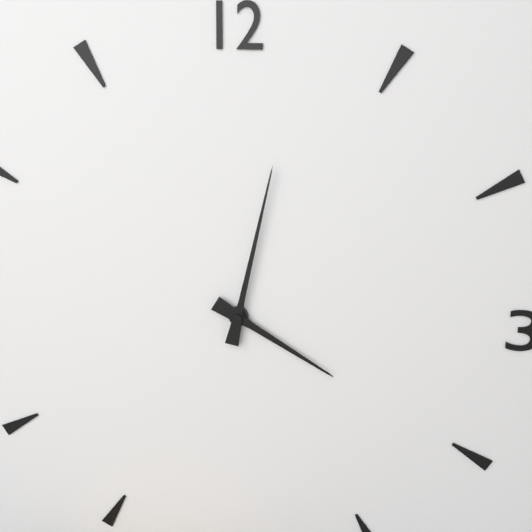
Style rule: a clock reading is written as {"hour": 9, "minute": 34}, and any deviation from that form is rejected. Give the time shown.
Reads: {"hour": 4, "minute": 2}
